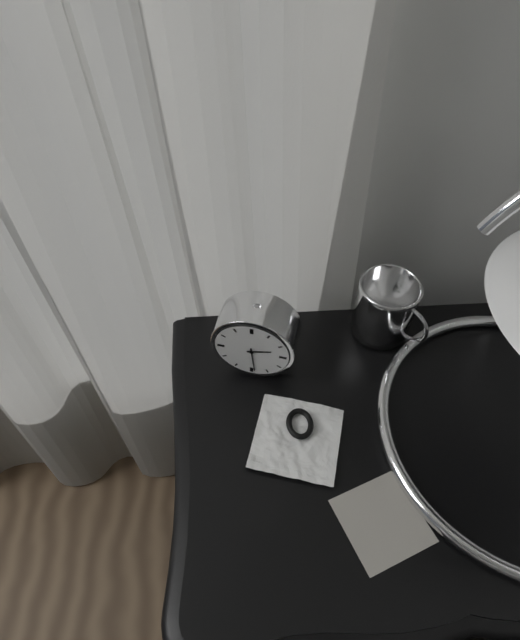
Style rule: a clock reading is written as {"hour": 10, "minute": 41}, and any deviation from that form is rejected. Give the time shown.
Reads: {"hour": 2, "minute": 29}
